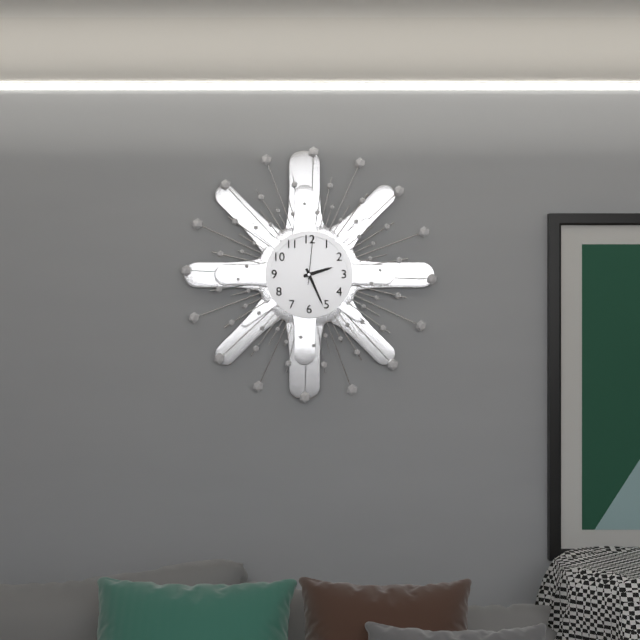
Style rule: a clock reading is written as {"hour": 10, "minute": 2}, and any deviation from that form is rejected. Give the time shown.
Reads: {"hour": 2, "minute": 26}
